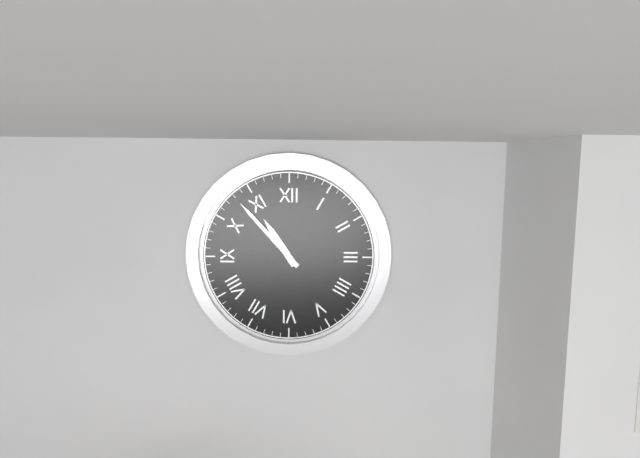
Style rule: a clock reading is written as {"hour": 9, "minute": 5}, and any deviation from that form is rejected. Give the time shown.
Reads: {"hour": 10, "minute": 53}
